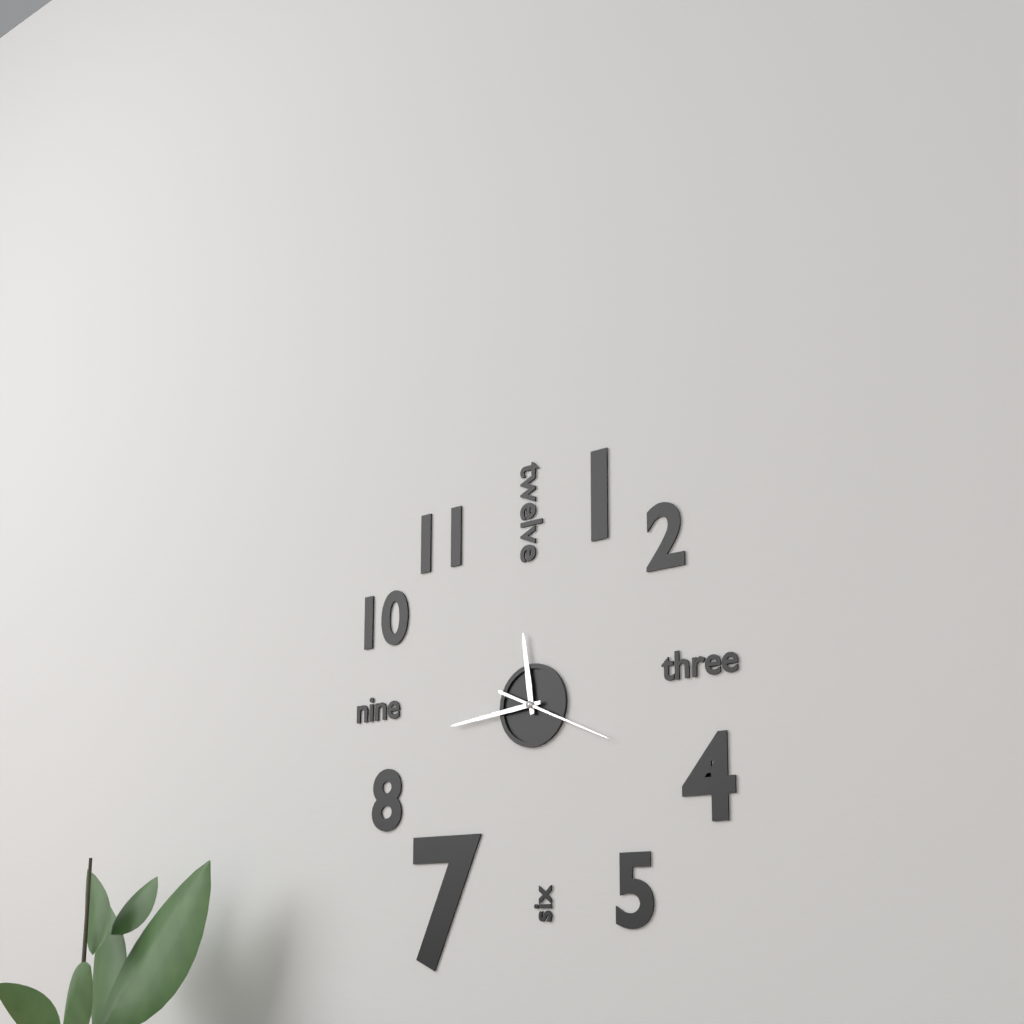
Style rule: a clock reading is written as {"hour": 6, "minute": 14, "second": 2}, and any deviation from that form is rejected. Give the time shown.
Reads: {"hour": 11, "minute": 44, "second": 19}
